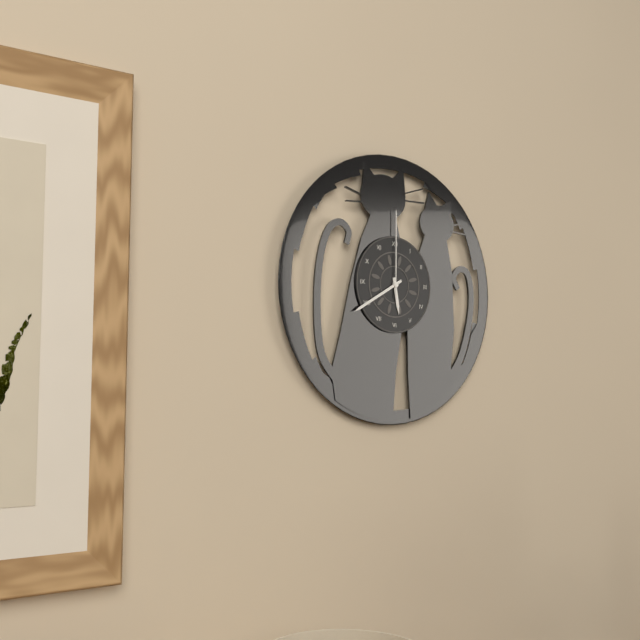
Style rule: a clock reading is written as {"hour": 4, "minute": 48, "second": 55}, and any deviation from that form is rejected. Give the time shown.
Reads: {"hour": 5, "minute": 40, "second": 0}
